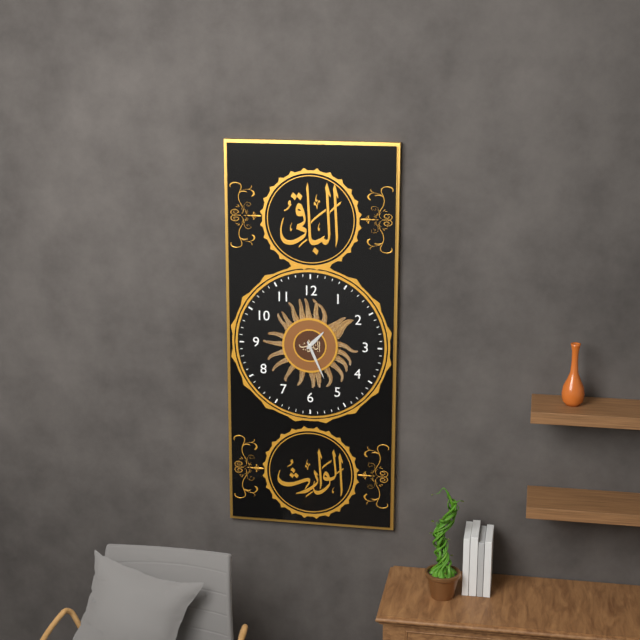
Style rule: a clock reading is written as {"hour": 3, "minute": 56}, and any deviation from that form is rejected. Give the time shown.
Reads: {"hour": 1, "minute": 26}
